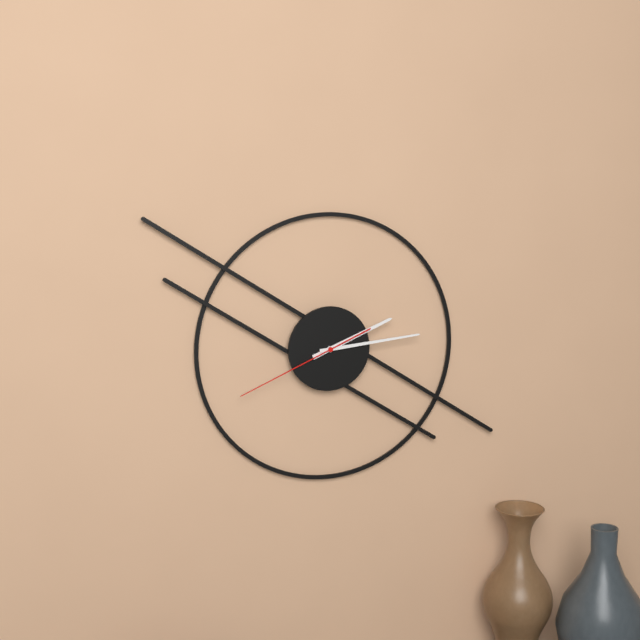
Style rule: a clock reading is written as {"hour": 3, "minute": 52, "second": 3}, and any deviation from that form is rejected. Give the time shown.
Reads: {"hour": 2, "minute": 14, "second": 41}
